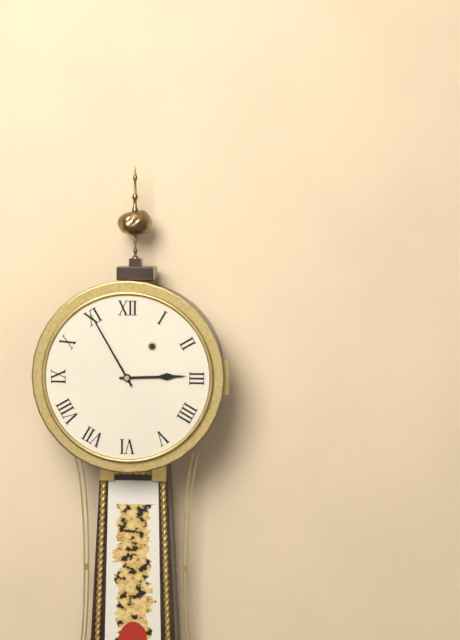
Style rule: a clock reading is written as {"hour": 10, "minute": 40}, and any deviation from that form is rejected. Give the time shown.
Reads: {"hour": 2, "minute": 55}
